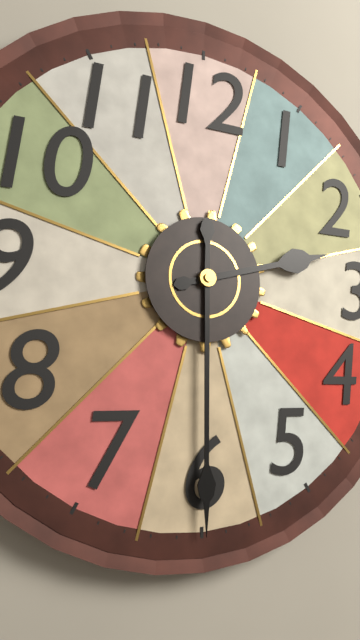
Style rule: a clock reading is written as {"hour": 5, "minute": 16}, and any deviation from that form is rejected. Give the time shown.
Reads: {"hour": 2, "minute": 30}
